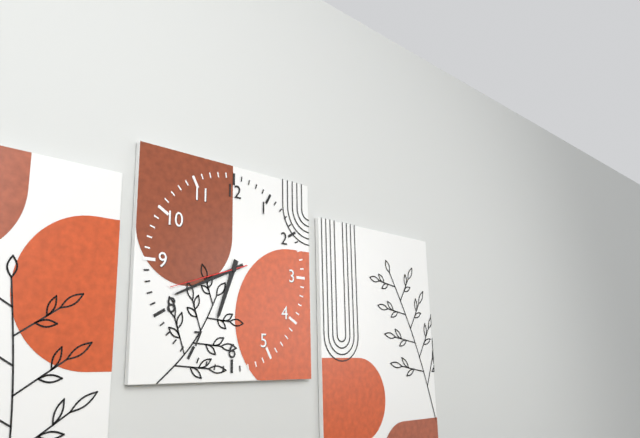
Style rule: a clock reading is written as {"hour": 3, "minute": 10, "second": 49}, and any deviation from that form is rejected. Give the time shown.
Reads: {"hour": 6, "minute": 41, "second": 42}
